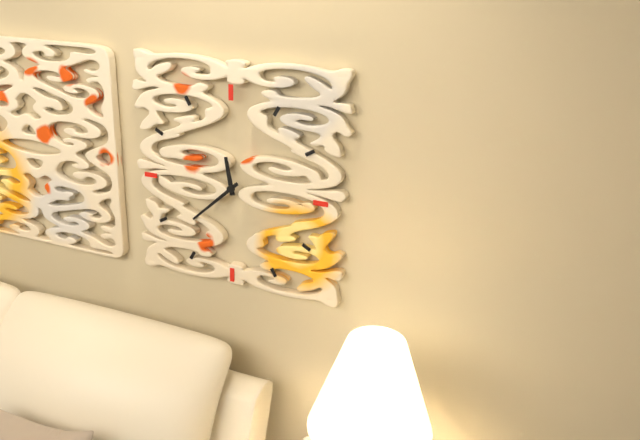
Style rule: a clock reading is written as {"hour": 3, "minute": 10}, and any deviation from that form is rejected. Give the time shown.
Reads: {"hour": 11, "minute": 38}
